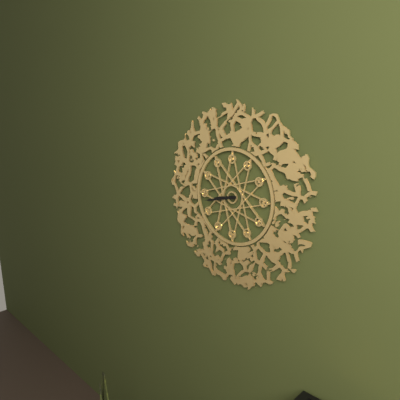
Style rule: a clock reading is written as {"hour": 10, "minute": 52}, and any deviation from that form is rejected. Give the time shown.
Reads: {"hour": 8, "minute": 43}
